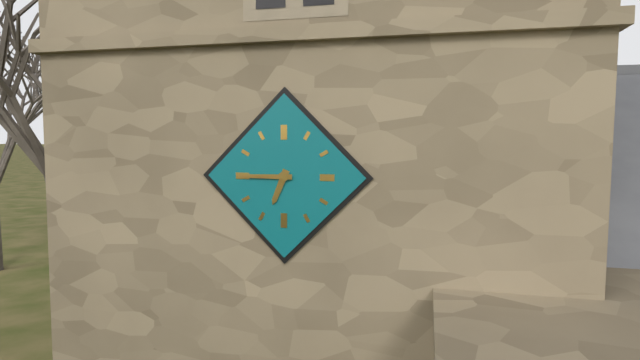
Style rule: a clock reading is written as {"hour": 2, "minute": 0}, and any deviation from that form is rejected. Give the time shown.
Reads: {"hour": 6, "minute": 45}
